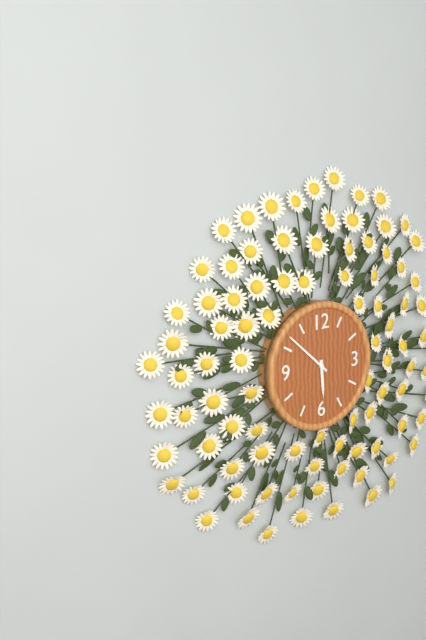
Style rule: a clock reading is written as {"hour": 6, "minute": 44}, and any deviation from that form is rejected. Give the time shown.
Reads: {"hour": 5, "minute": 52}
